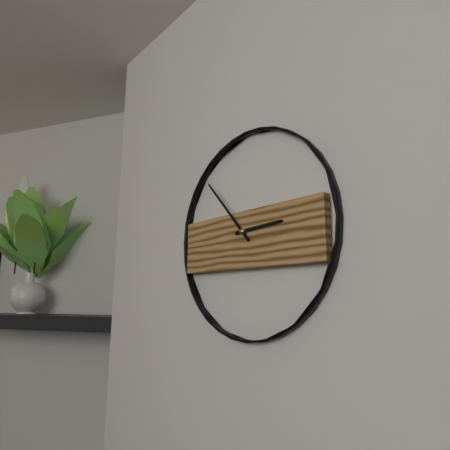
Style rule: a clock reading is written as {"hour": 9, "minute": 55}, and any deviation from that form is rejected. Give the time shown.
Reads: {"hour": 2, "minute": 53}
